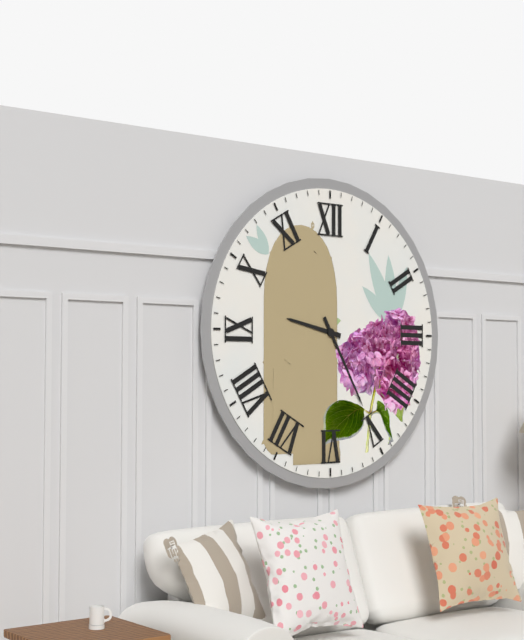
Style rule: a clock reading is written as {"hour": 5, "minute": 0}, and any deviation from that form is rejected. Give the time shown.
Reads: {"hour": 9, "minute": 25}
